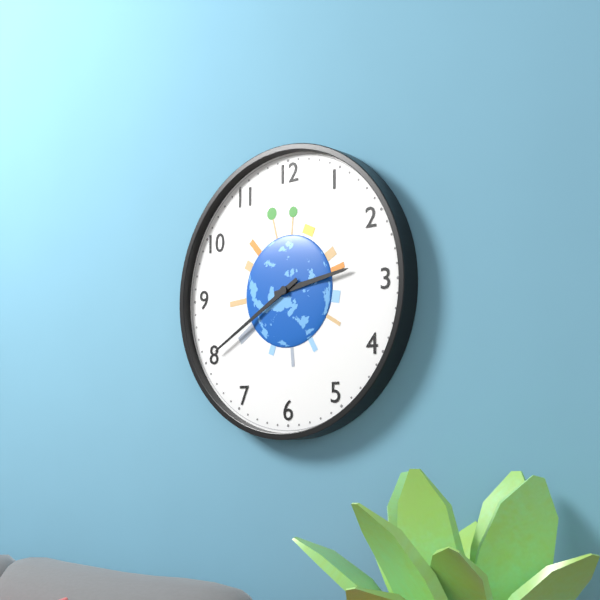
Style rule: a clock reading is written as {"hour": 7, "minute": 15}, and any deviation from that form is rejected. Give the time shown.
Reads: {"hour": 2, "minute": 40}
